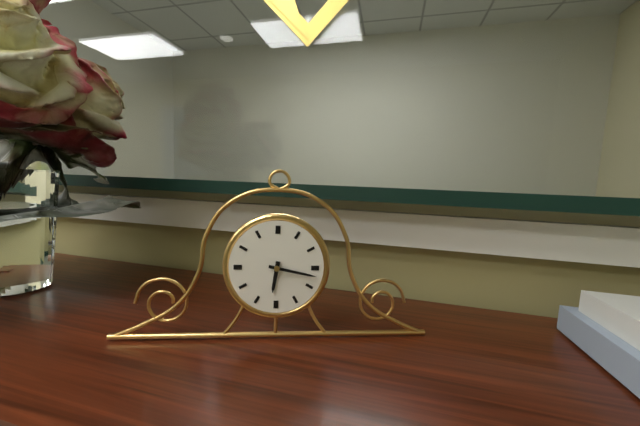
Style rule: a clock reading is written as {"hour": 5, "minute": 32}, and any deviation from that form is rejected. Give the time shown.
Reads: {"hour": 6, "minute": 17}
